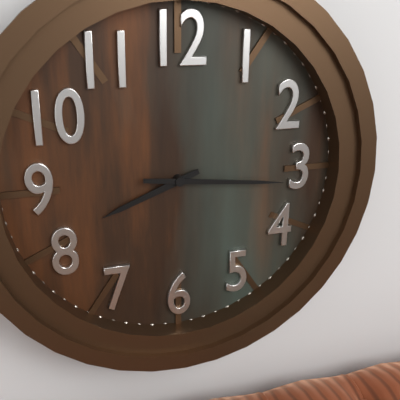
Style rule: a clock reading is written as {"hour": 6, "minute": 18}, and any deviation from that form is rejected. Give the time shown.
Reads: {"hour": 8, "minute": 16}
